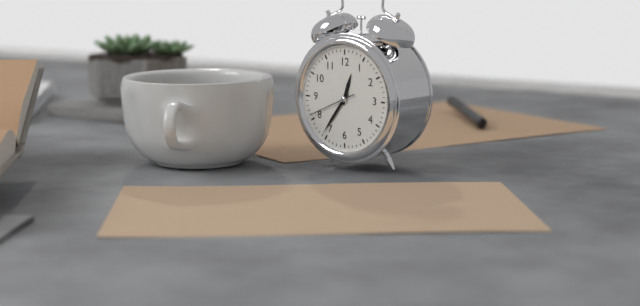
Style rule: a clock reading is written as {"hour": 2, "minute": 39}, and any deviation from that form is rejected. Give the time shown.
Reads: {"hour": 12, "minute": 36}
